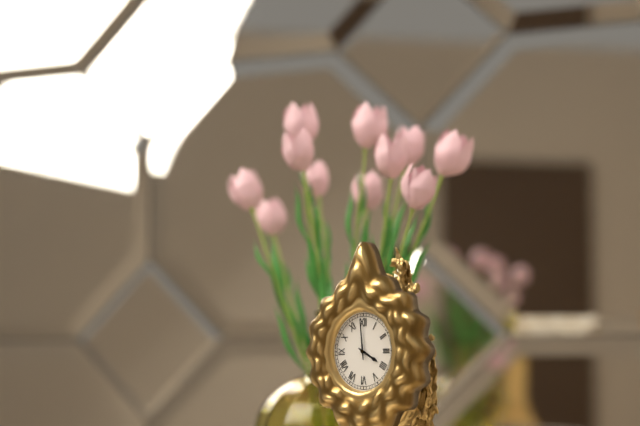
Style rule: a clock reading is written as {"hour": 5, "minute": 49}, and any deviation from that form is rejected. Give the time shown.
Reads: {"hour": 3, "minute": 59}
